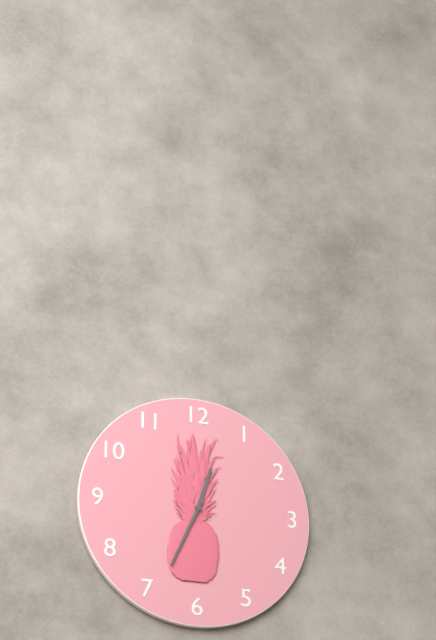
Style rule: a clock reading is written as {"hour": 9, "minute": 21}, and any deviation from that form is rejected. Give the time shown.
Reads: {"hour": 12, "minute": 34}
